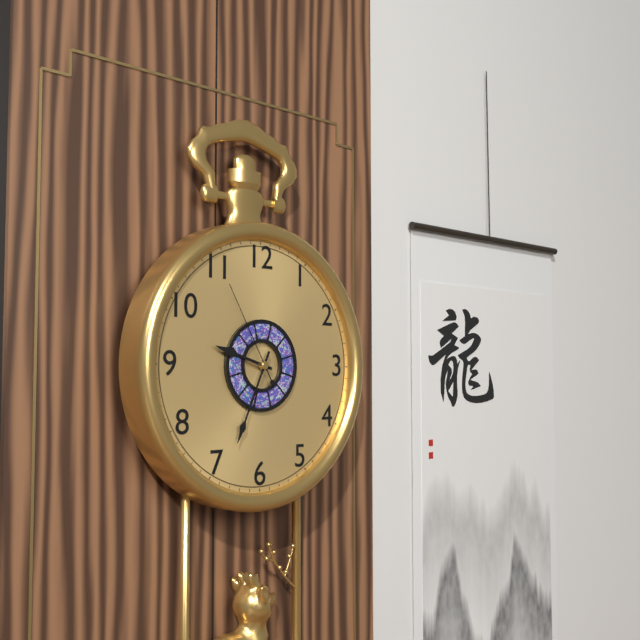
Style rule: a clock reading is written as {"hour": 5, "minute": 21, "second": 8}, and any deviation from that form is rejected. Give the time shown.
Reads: {"hour": 9, "minute": 34, "second": 55}
